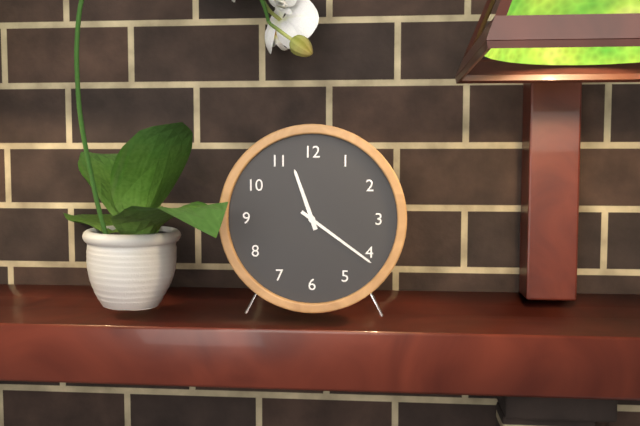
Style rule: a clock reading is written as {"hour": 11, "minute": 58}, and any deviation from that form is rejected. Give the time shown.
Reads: {"hour": 11, "minute": 21}
